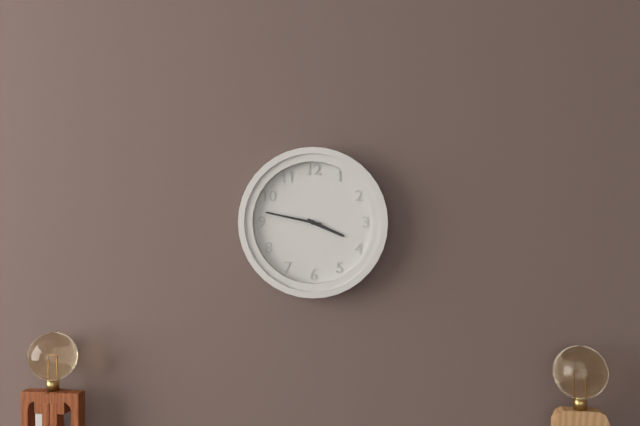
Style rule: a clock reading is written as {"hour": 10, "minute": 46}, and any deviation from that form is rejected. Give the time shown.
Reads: {"hour": 3, "minute": 47}
